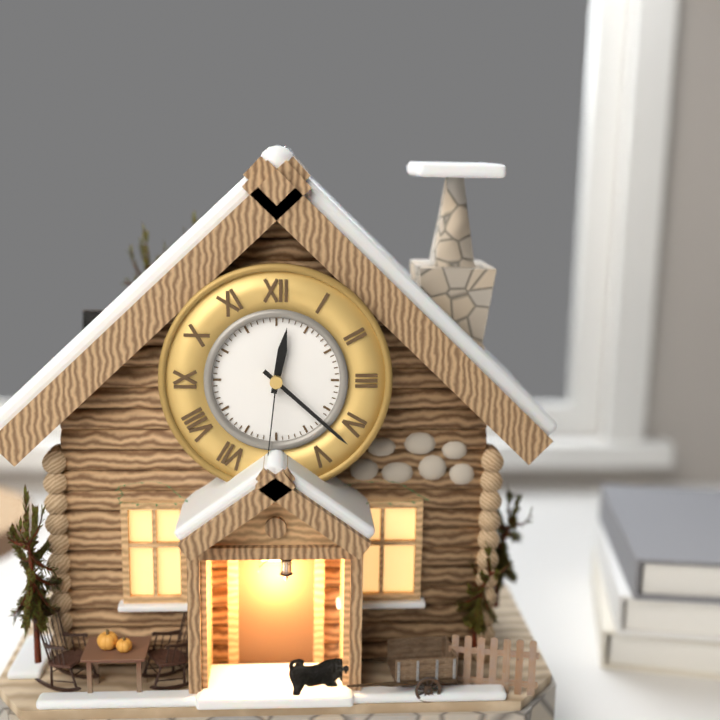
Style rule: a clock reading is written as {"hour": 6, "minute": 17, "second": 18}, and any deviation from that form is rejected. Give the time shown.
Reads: {"hour": 12, "minute": 22, "second": 31}
